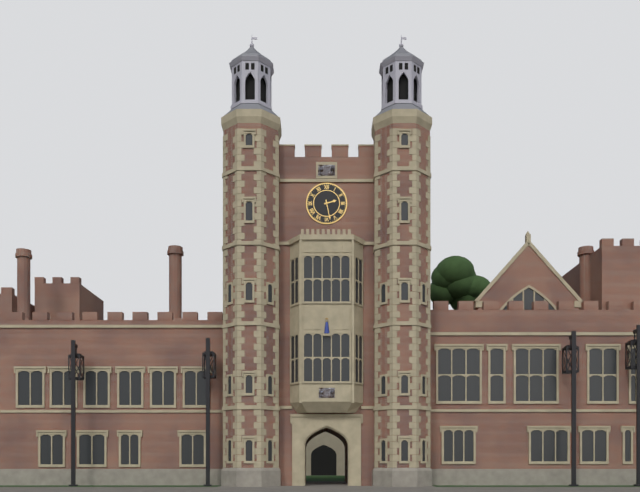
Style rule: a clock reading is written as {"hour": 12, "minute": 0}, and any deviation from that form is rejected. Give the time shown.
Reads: {"hour": 2, "minute": 28}
